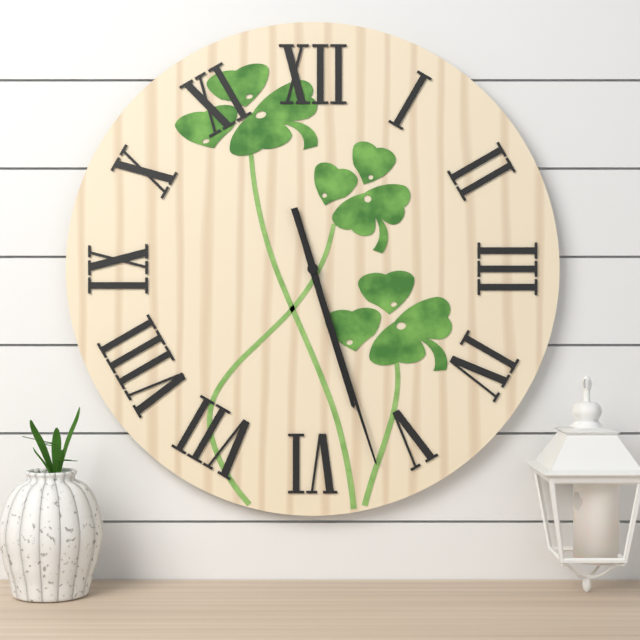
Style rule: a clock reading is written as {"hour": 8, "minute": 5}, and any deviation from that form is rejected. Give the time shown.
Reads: {"hour": 5, "minute": 27}
